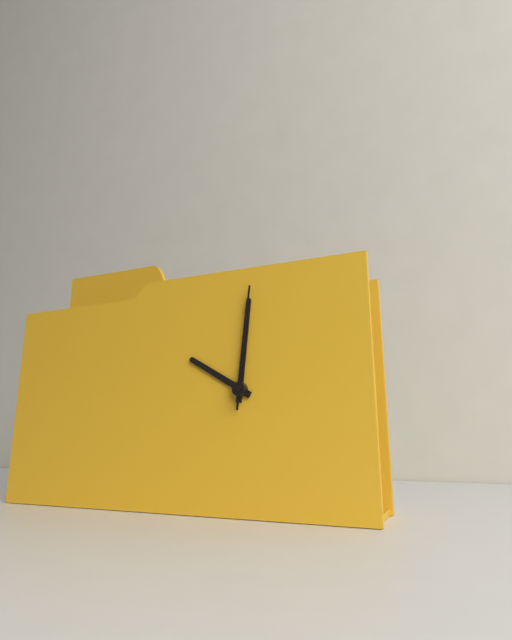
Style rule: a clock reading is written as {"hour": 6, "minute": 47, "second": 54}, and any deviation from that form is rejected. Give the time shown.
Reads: {"hour": 10, "minute": 1, "second": 1}
